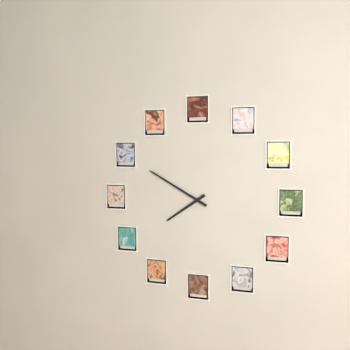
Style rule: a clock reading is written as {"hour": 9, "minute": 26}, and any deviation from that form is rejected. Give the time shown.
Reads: {"hour": 7, "minute": 50}
